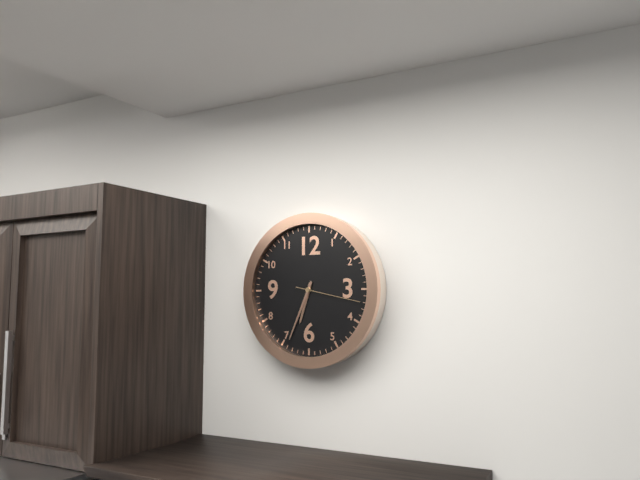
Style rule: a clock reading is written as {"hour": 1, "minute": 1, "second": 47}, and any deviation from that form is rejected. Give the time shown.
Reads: {"hour": 6, "minute": 34, "second": 17}
